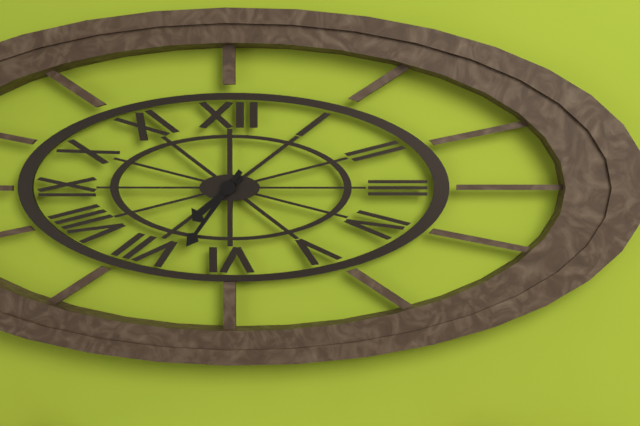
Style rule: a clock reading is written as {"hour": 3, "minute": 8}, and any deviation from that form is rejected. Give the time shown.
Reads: {"hour": 7, "minute": 36}
